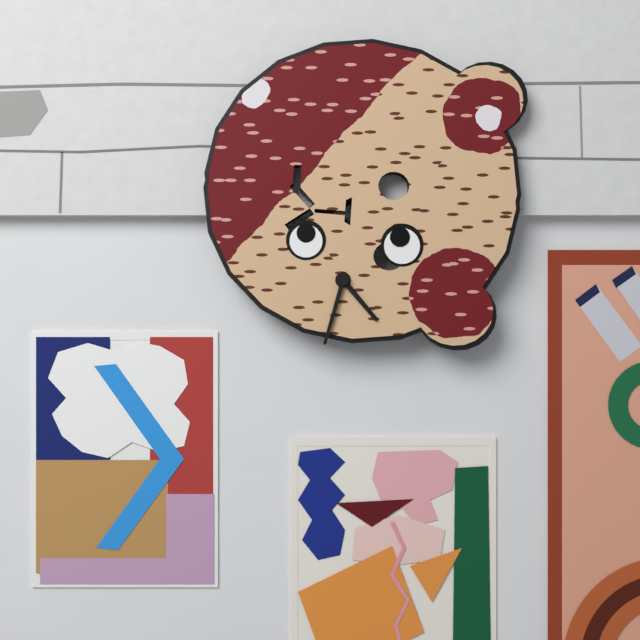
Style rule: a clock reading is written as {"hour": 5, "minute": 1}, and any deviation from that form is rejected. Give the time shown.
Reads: {"hour": 4, "minute": 32}
